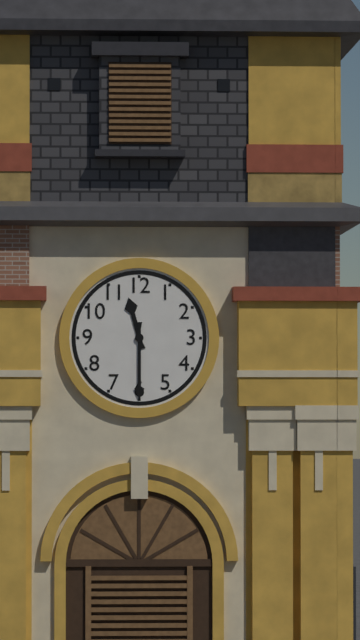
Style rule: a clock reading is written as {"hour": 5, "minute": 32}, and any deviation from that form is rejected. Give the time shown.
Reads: {"hour": 11, "minute": 30}
